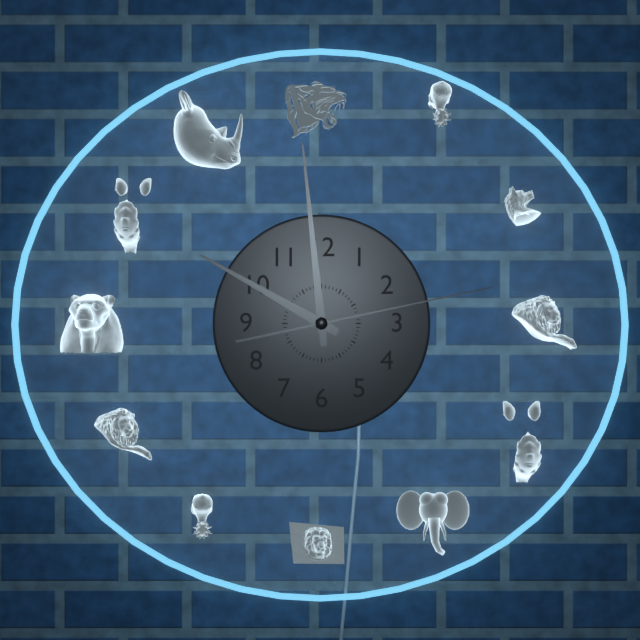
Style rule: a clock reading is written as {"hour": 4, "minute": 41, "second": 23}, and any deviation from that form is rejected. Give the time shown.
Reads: {"hour": 9, "minute": 59, "second": 13}
